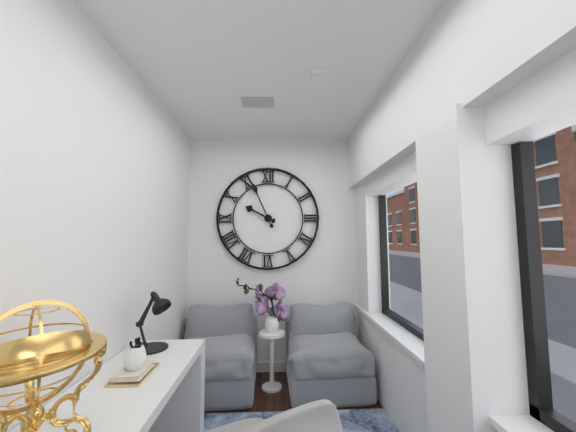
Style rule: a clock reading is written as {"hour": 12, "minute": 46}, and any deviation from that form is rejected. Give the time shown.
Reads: {"hour": 9, "minute": 56}
